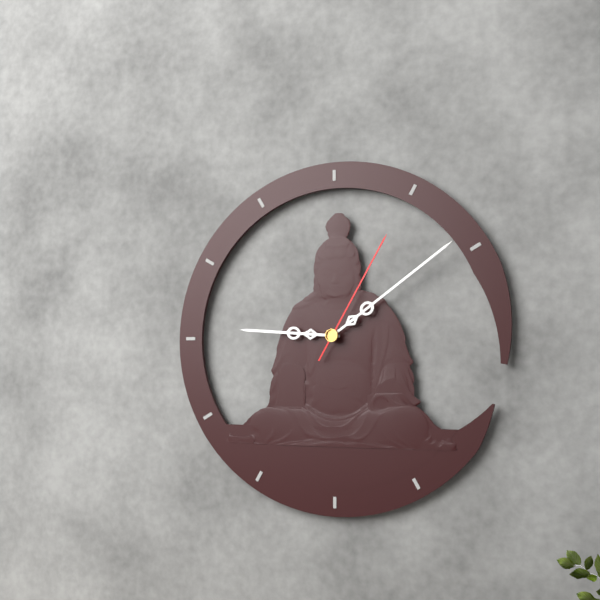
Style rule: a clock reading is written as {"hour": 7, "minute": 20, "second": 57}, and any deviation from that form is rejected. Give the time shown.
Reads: {"hour": 9, "minute": 9, "second": 5}
